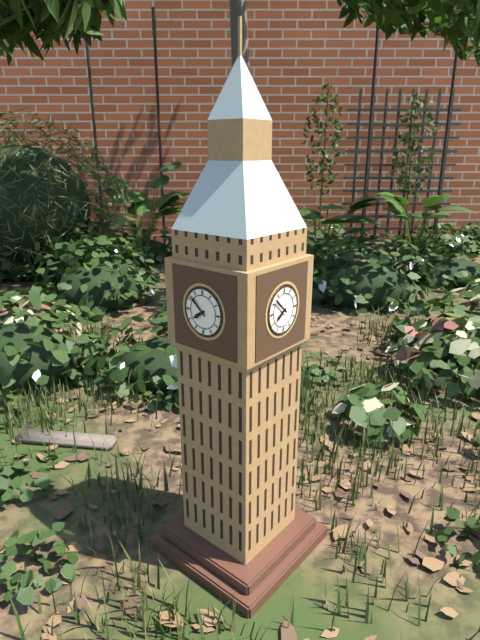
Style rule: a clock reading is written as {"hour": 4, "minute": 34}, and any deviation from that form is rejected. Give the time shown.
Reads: {"hour": 7, "minute": 52}
